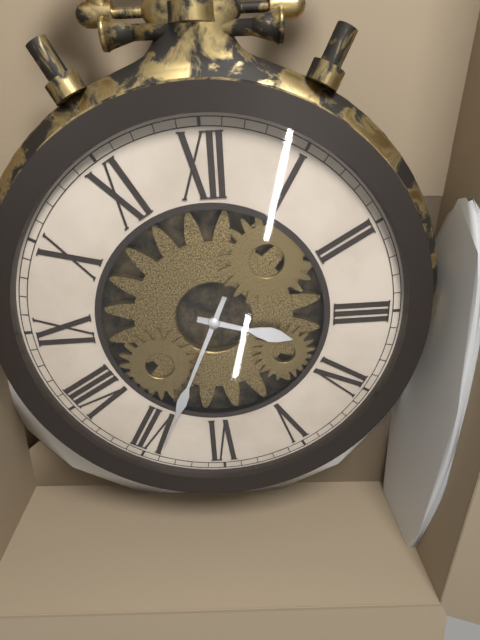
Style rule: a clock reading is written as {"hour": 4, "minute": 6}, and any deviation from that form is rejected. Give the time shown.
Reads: {"hour": 3, "minute": 34}
